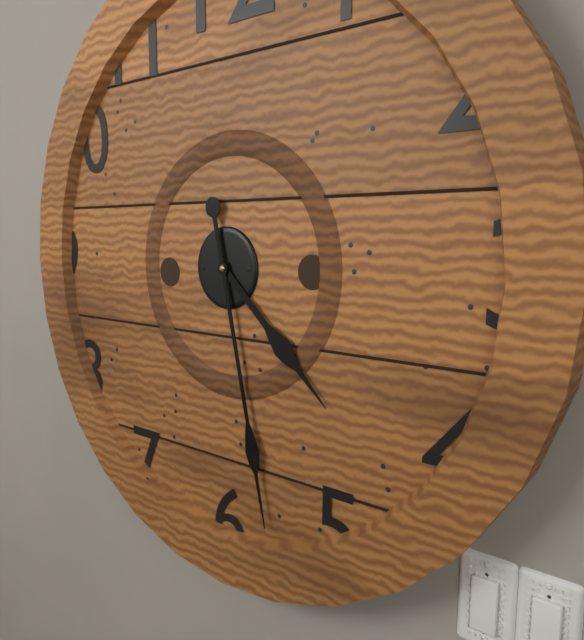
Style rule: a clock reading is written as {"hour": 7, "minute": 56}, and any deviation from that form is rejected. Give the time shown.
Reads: {"hour": 4, "minute": 28}
